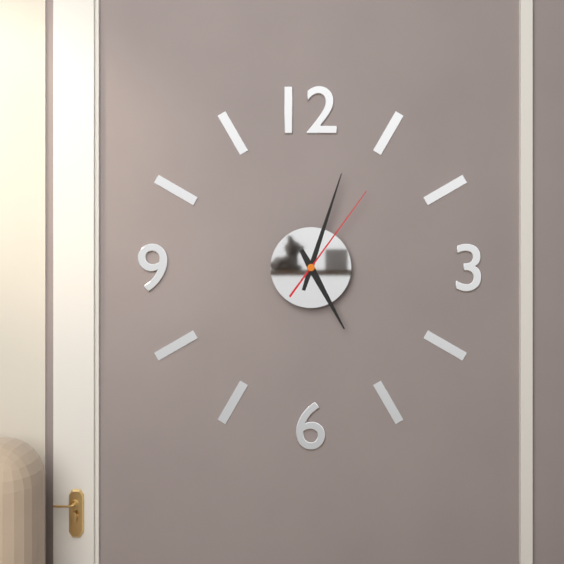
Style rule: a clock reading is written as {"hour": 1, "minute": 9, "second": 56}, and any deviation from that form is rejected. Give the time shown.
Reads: {"hour": 5, "minute": 3, "second": 6}
